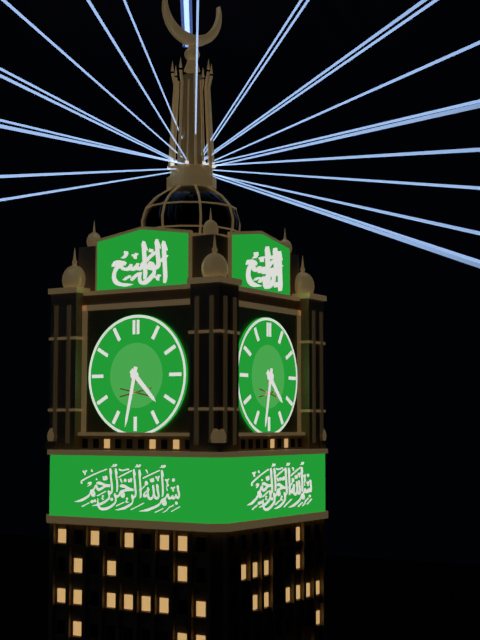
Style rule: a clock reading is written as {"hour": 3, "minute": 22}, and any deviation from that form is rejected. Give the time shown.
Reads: {"hour": 4, "minute": 32}
